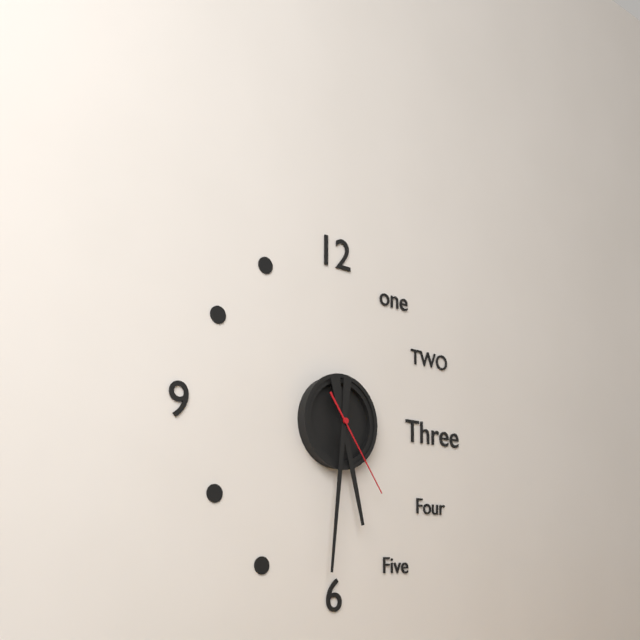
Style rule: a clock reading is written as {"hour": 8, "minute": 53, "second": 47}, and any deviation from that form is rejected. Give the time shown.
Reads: {"hour": 5, "minute": 31, "second": 24}
